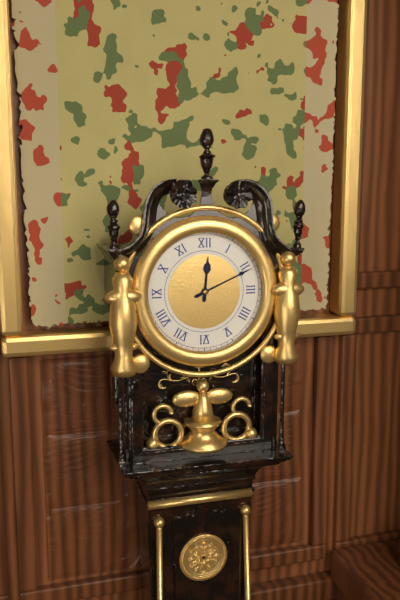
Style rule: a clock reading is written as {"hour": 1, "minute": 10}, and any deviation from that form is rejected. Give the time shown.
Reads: {"hour": 12, "minute": 11}
